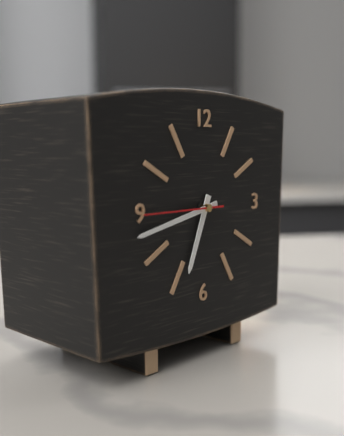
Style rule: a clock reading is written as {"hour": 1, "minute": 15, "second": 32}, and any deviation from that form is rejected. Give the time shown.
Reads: {"hour": 6, "minute": 43, "second": 45}
